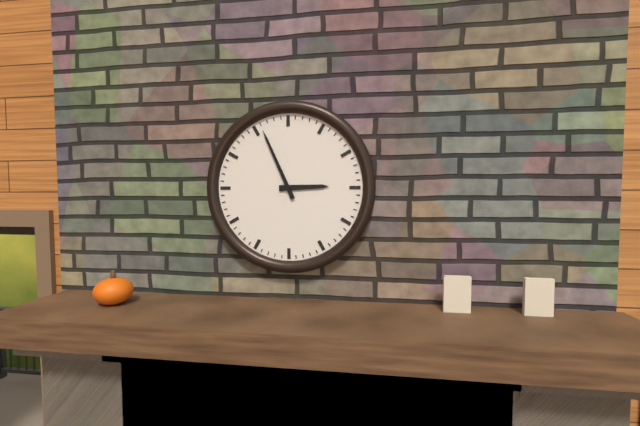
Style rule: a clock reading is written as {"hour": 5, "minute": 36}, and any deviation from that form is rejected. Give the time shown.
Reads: {"hour": 2, "minute": 56}
